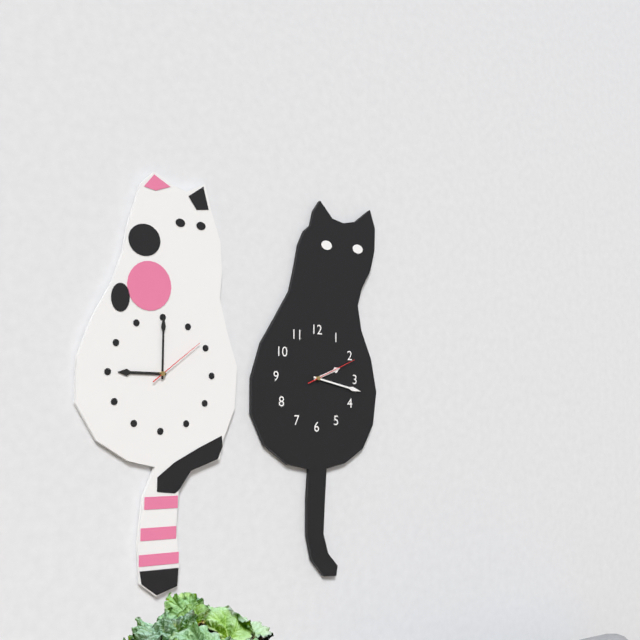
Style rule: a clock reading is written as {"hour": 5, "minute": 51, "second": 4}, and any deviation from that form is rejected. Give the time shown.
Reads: {"hour": 2, "minute": 17, "second": 11}
